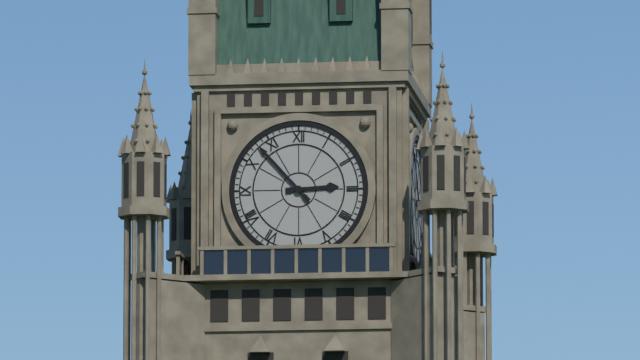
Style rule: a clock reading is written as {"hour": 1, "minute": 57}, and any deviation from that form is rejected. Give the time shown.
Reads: {"hour": 2, "minute": 53}
